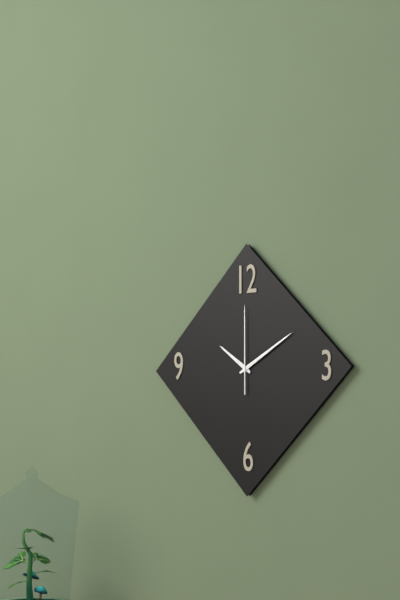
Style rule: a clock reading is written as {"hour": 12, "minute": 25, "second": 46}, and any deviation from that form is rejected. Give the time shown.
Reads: {"hour": 10, "minute": 10, "second": 0}
